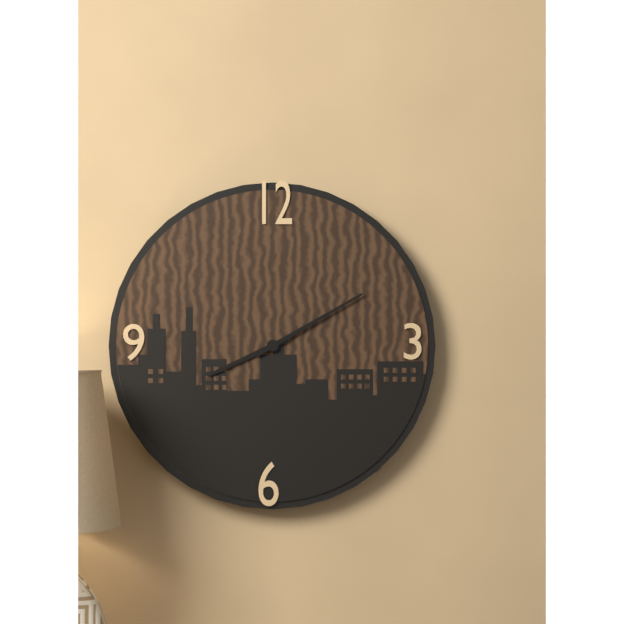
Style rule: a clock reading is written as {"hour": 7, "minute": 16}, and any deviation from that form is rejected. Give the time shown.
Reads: {"hour": 8, "minute": 10}
